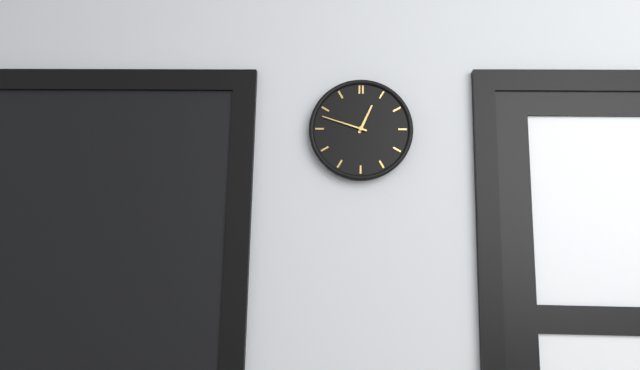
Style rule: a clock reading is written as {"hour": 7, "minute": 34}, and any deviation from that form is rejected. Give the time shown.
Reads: {"hour": 12, "minute": 48}
